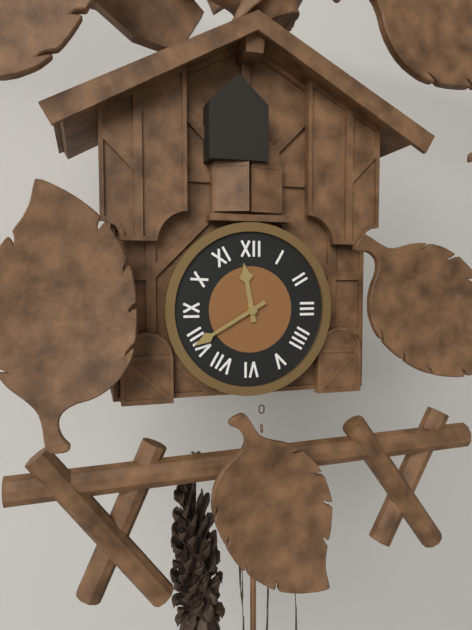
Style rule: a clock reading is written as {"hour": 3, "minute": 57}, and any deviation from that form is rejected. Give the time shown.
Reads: {"hour": 11, "minute": 40}
